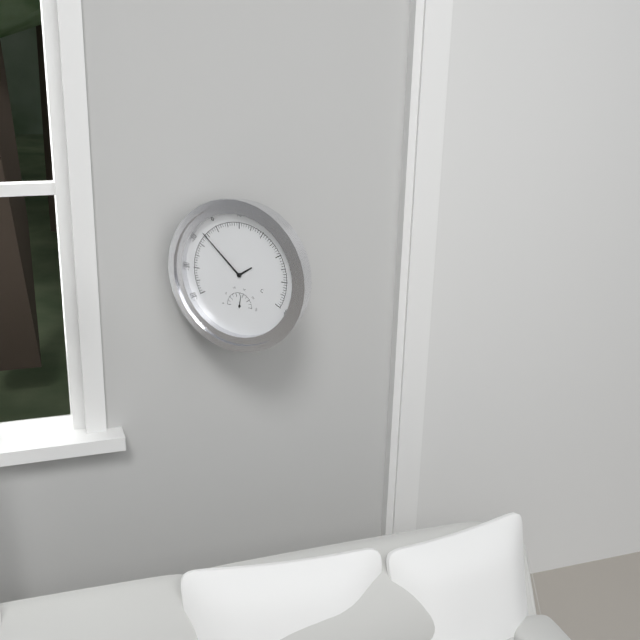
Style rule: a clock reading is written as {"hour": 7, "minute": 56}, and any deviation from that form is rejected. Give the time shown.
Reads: {"hour": 1, "minute": 52}
